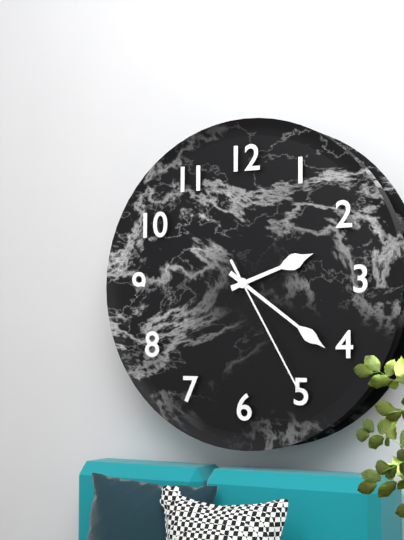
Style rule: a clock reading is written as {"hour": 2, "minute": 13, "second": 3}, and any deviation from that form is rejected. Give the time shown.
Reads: {"hour": 2, "minute": 21, "second": 25}
